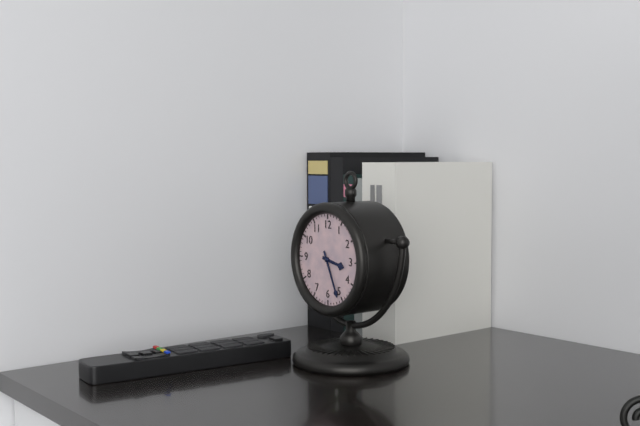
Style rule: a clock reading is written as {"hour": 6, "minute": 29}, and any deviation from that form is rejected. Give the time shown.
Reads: {"hour": 3, "minute": 26}
